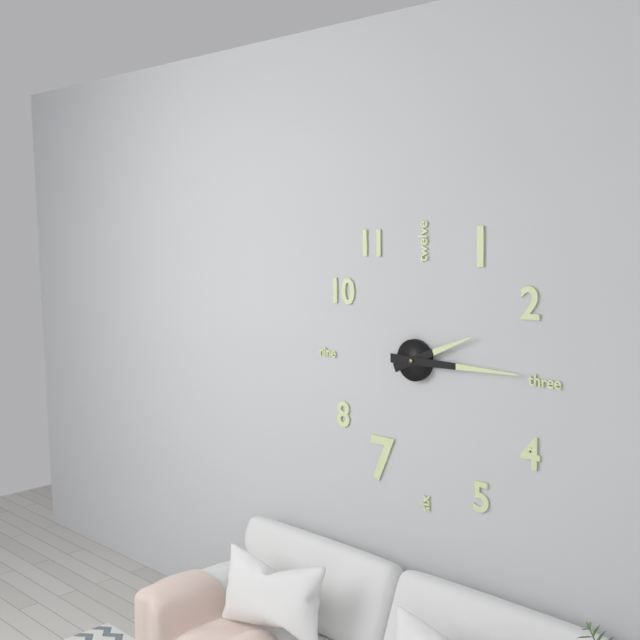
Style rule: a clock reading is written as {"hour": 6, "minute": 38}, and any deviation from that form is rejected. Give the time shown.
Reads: {"hour": 2, "minute": 15}
